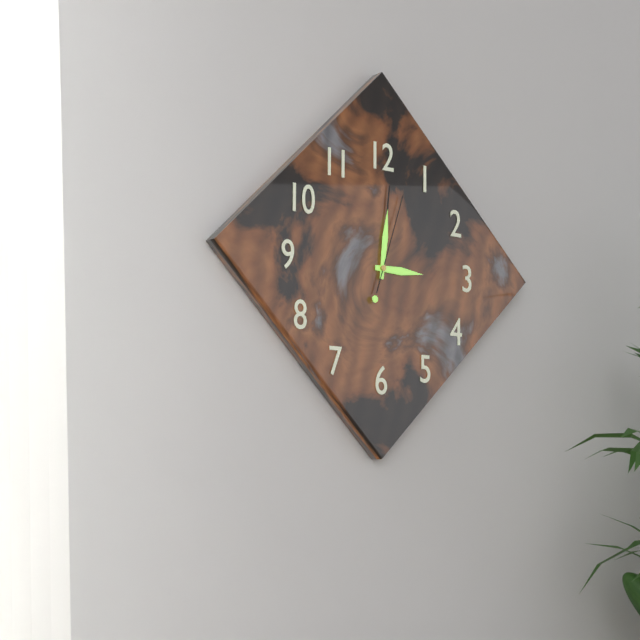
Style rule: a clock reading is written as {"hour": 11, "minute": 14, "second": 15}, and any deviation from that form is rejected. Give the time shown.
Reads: {"hour": 3, "minute": 1, "second": 3}
